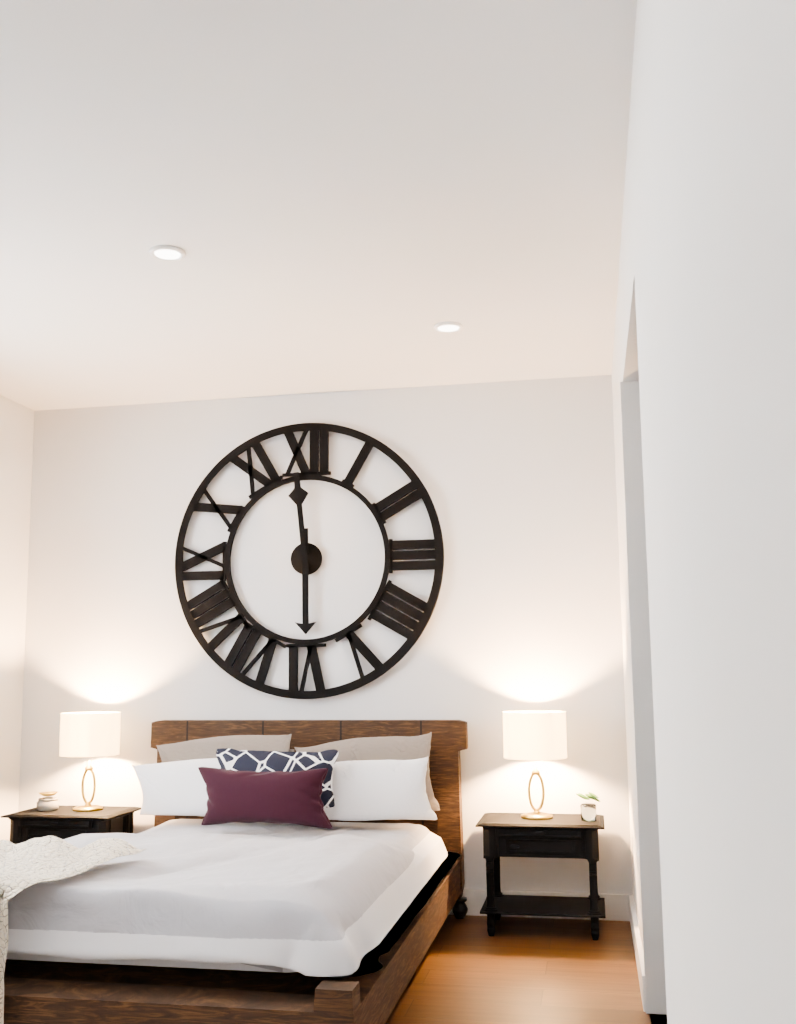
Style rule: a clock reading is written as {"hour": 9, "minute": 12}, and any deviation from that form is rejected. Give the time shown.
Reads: {"hour": 5, "minute": 59}
